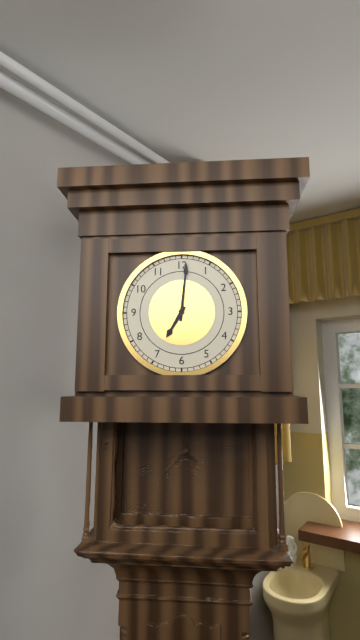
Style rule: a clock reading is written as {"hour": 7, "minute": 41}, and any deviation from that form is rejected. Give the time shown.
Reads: {"hour": 7, "minute": 1}
